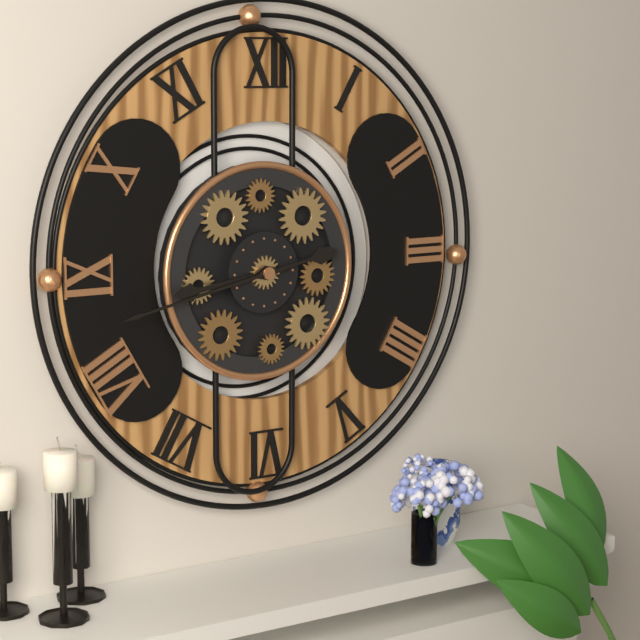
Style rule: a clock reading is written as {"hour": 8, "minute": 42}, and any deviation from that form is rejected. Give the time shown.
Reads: {"hour": 8, "minute": 43}
